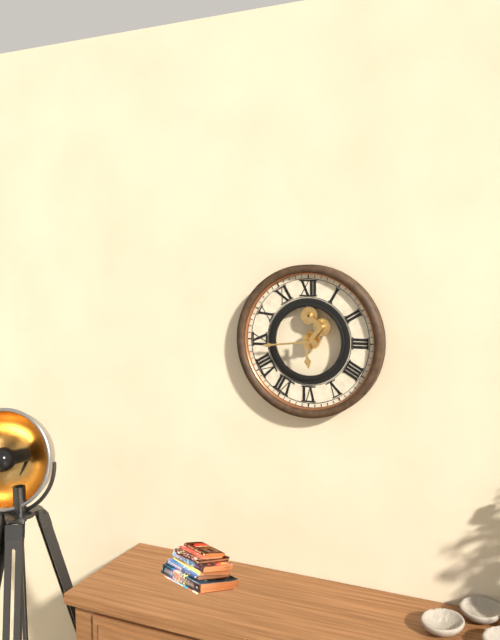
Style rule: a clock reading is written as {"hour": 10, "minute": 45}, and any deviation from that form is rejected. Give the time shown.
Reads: {"hour": 5, "minute": 44}
